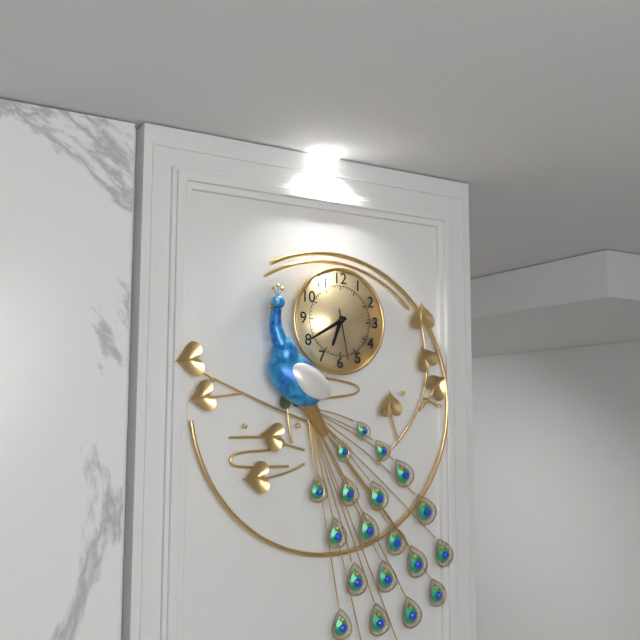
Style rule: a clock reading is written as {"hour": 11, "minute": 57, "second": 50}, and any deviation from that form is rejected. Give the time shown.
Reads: {"hour": 6, "minute": 40, "second": 28}
